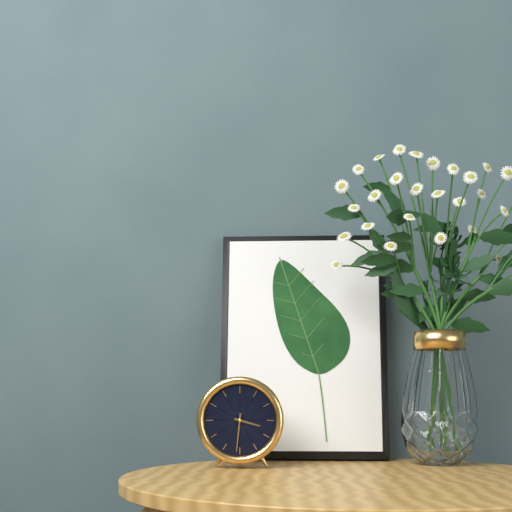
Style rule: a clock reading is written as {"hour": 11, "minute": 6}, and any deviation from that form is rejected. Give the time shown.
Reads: {"hour": 3, "minute": 31}
